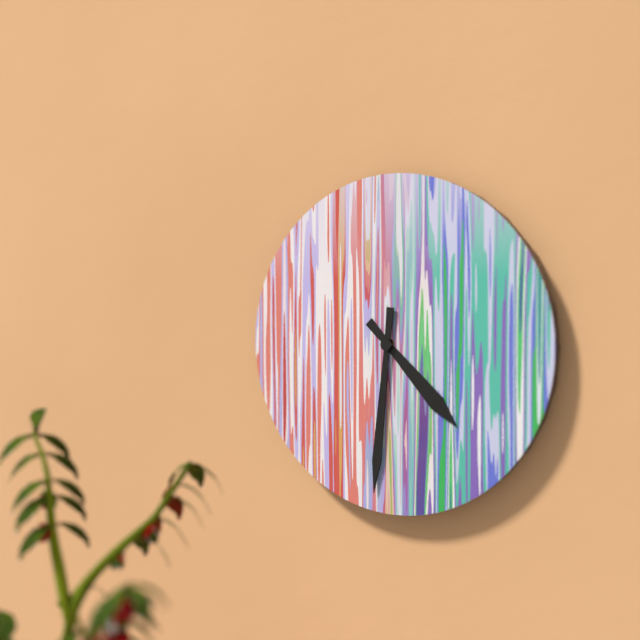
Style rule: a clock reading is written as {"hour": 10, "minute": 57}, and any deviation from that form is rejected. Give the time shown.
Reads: {"hour": 4, "minute": 31}
